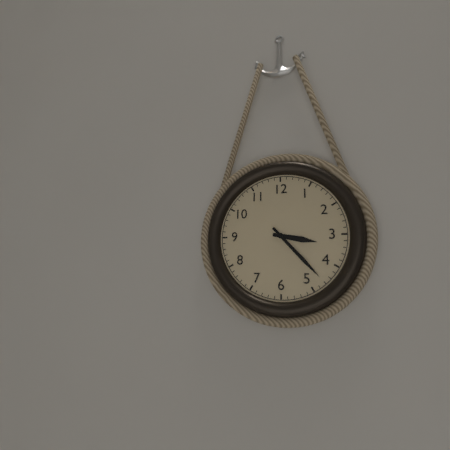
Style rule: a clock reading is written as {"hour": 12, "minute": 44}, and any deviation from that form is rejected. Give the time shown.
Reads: {"hour": 3, "minute": 23}
